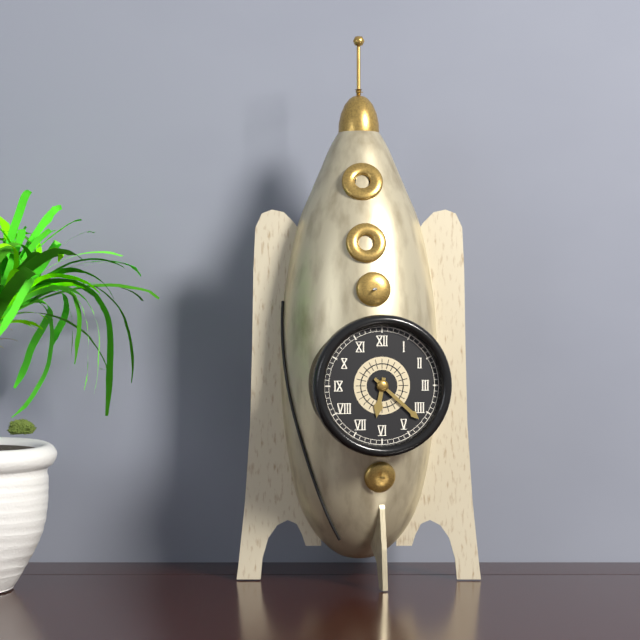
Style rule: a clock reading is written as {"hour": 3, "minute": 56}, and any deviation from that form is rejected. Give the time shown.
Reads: {"hour": 6, "minute": 22}
